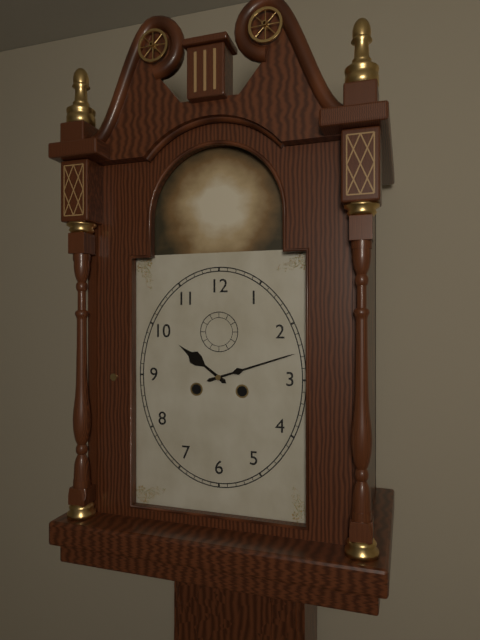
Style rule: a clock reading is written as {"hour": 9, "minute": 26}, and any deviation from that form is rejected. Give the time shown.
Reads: {"hour": 10, "minute": 12}
